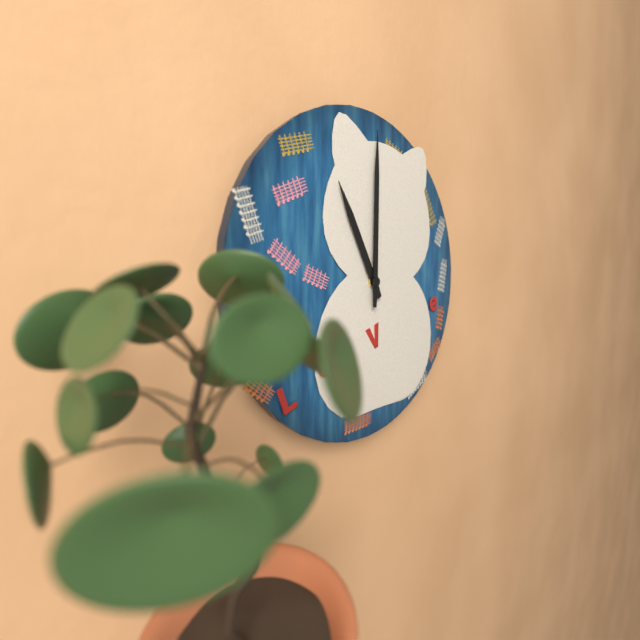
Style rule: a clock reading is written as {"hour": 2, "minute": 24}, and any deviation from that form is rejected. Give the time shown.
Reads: {"hour": 11, "minute": 0}
